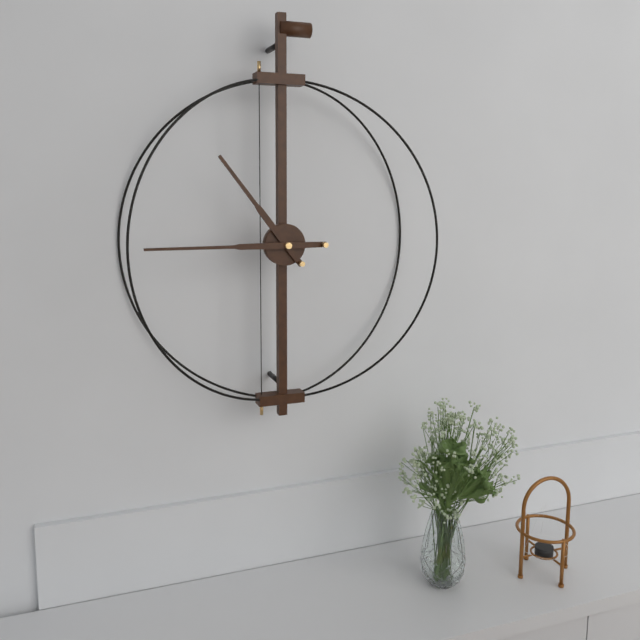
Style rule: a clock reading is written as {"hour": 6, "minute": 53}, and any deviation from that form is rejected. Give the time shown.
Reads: {"hour": 10, "minute": 45}
